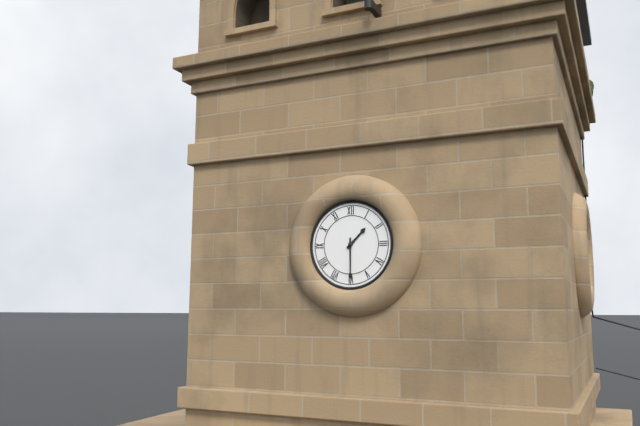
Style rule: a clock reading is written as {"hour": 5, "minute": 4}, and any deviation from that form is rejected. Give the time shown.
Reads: {"hour": 1, "minute": 30}
